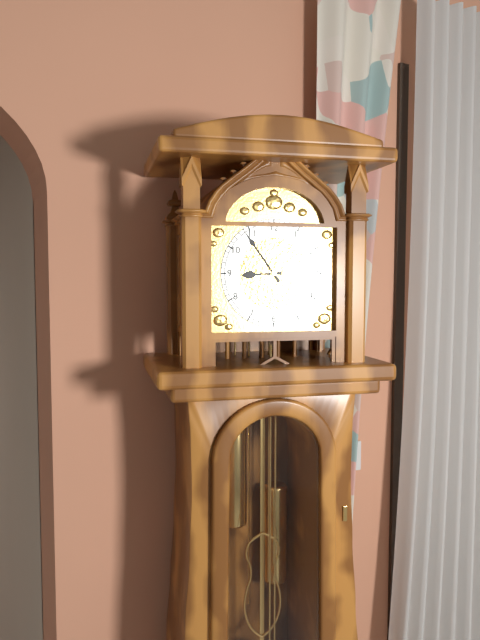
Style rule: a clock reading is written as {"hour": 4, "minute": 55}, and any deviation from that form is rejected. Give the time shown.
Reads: {"hour": 8, "minute": 54}
